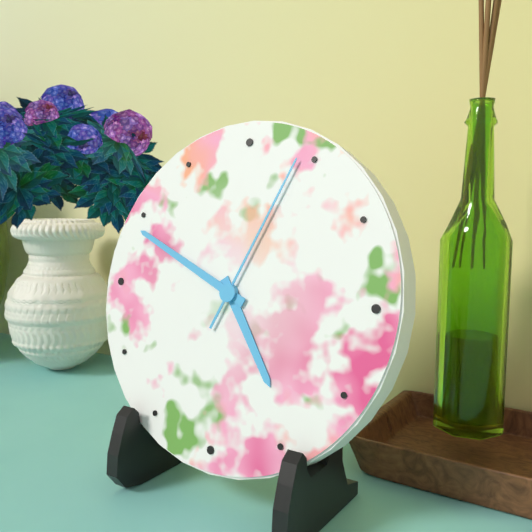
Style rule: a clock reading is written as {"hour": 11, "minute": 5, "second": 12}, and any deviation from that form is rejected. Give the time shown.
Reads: {"hour": 4, "minute": 49, "second": 4}
